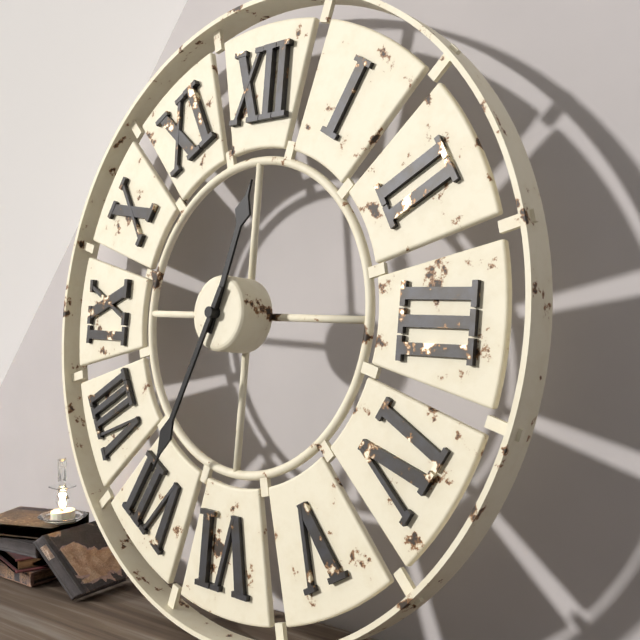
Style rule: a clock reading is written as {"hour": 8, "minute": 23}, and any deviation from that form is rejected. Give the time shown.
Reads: {"hour": 12, "minute": 34}
